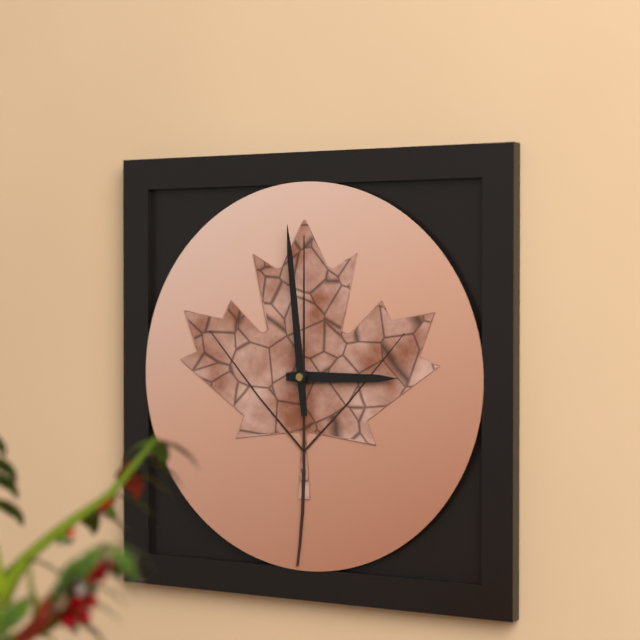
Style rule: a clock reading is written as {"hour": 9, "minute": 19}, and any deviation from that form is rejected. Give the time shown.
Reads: {"hour": 2, "minute": 59}
